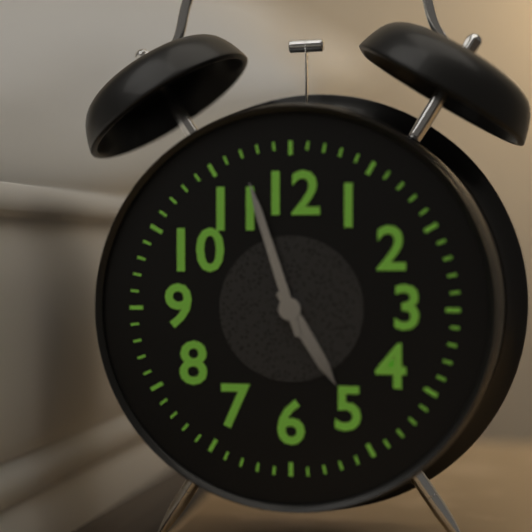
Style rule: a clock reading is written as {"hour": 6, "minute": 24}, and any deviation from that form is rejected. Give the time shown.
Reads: {"hour": 4, "minute": 57}
